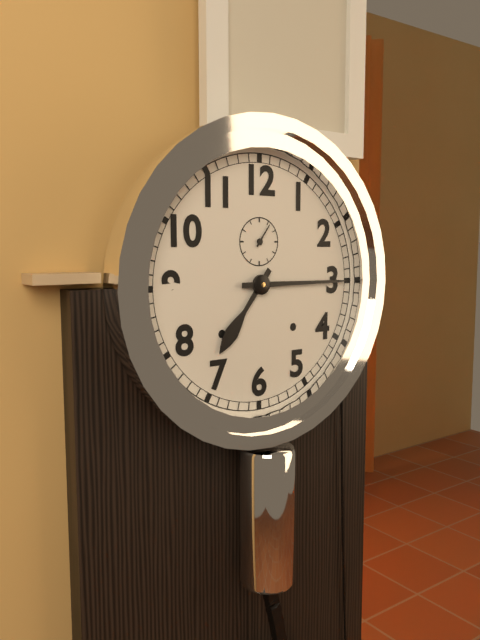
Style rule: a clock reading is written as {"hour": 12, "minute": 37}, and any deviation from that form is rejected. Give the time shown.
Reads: {"hour": 7, "minute": 15}
